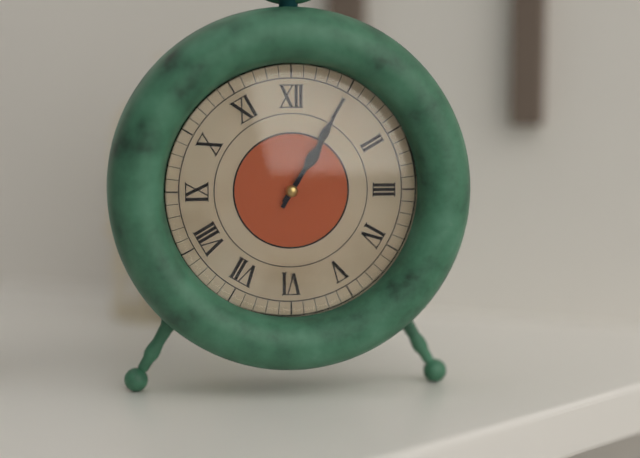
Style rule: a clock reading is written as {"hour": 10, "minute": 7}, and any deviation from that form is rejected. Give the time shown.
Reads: {"hour": 1, "minute": 5}
